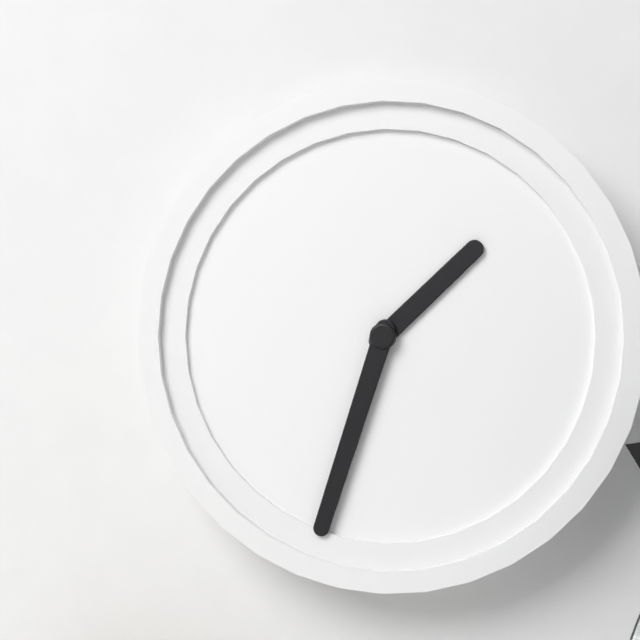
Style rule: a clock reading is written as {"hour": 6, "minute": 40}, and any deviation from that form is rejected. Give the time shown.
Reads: {"hour": 1, "minute": 33}
